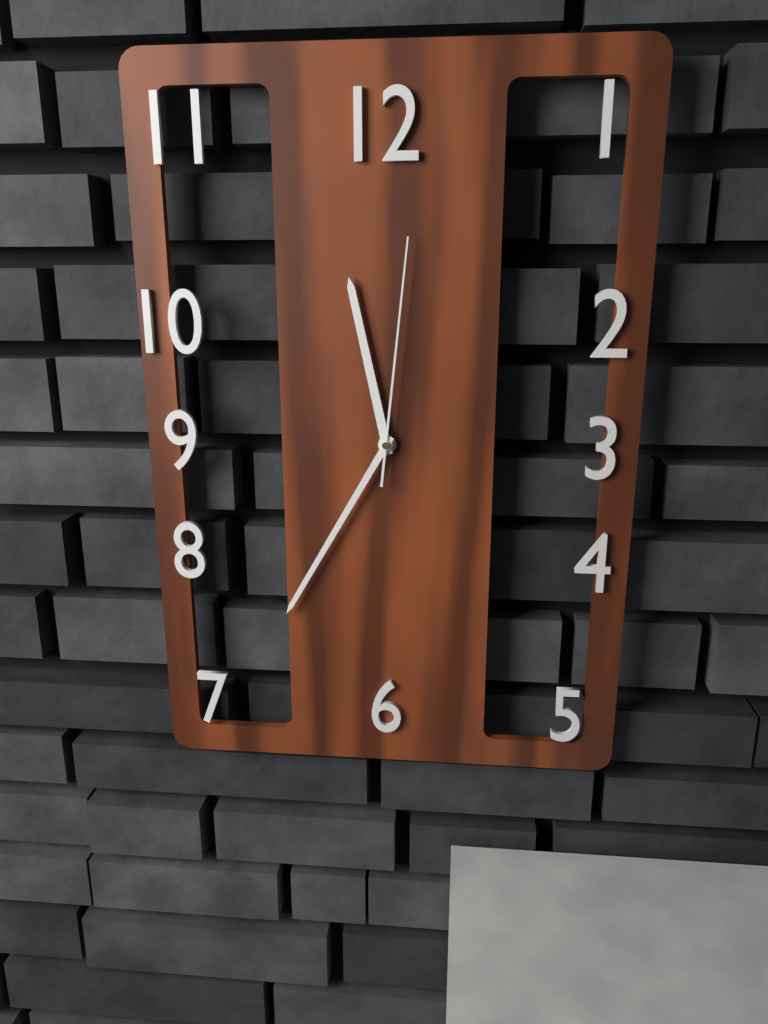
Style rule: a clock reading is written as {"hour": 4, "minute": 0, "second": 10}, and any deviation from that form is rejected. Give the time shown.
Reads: {"hour": 11, "minute": 35, "second": 1}
